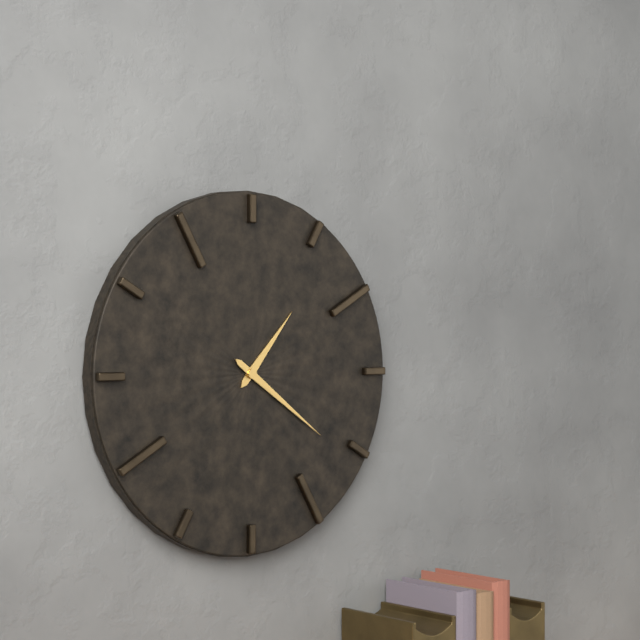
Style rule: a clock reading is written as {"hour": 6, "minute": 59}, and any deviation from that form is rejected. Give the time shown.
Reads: {"hour": 1, "minute": 21}
